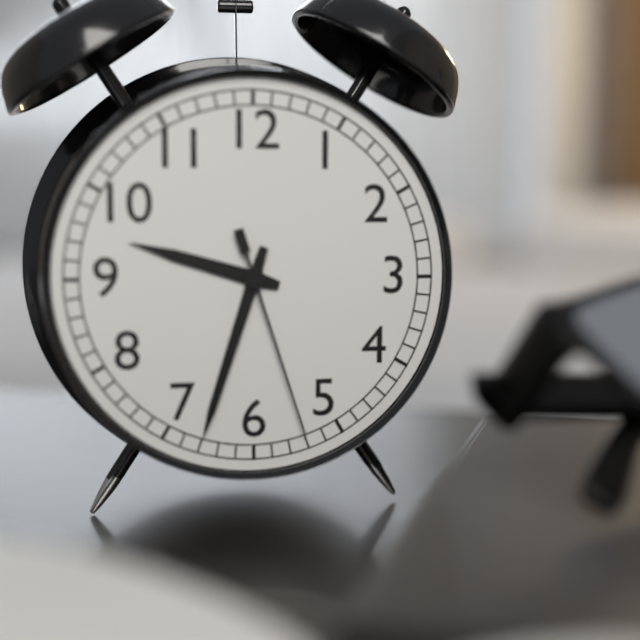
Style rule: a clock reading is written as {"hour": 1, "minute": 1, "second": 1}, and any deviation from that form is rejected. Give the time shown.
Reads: {"hour": 9, "minute": 33, "second": 27}
